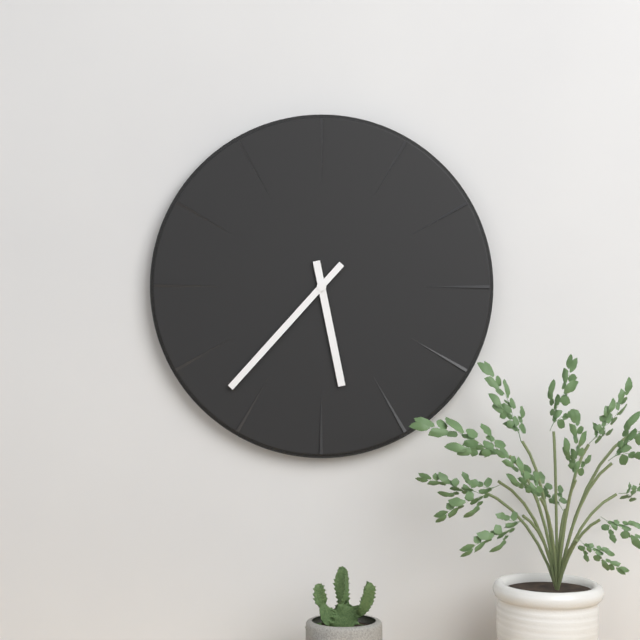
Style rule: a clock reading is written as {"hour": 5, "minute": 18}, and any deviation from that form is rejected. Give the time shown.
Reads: {"hour": 5, "minute": 37}
